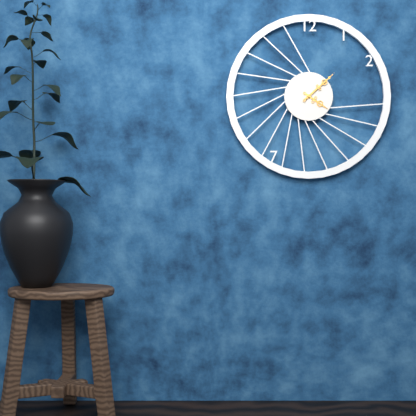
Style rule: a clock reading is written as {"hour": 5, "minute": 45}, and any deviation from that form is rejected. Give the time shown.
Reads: {"hour": 4, "minute": 8}
